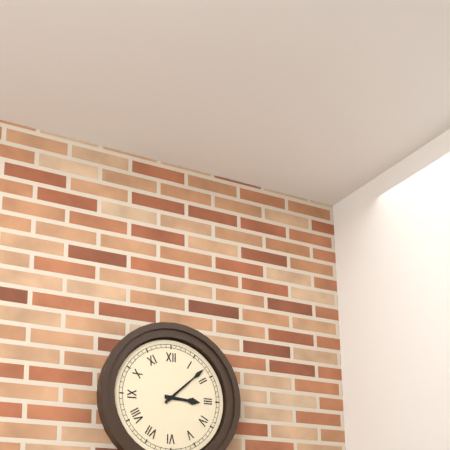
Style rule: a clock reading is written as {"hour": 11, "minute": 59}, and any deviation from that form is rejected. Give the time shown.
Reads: {"hour": 3, "minute": 8}
